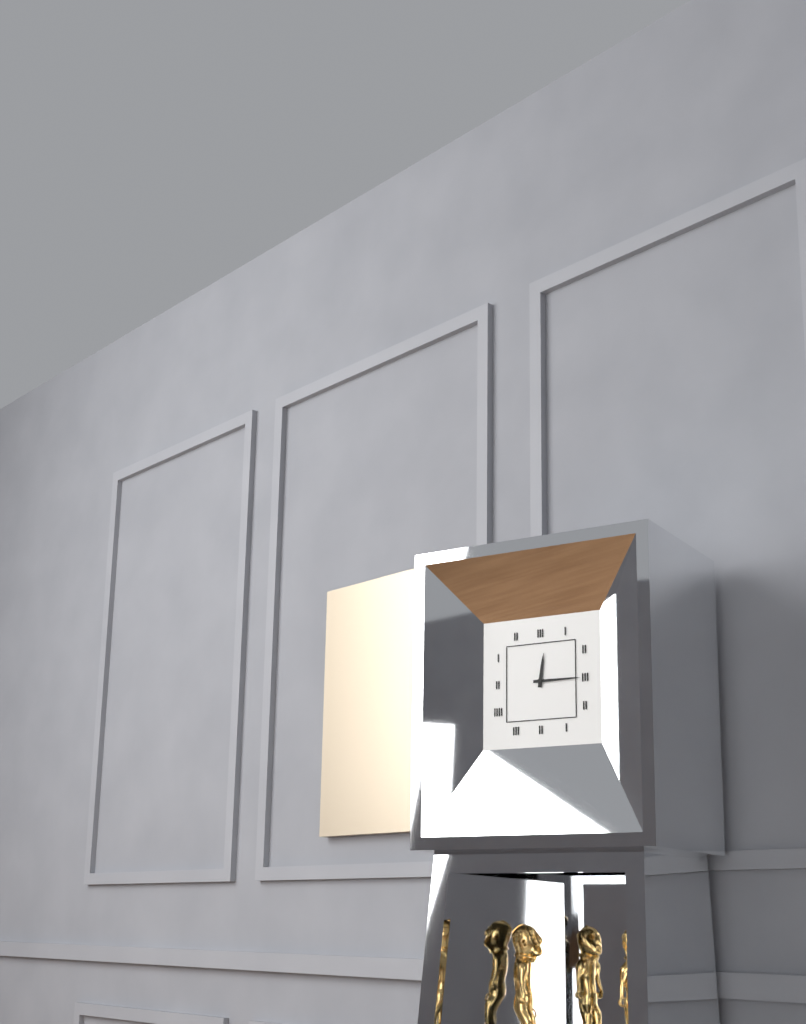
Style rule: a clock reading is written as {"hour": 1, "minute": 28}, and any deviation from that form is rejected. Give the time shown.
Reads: {"hour": 12, "minute": 15}
